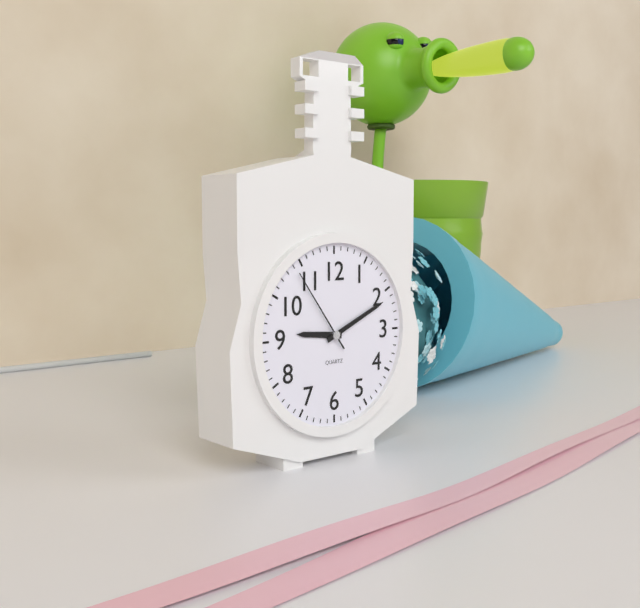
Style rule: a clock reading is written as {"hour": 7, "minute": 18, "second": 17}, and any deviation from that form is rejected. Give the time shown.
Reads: {"hour": 9, "minute": 11, "second": 54}
